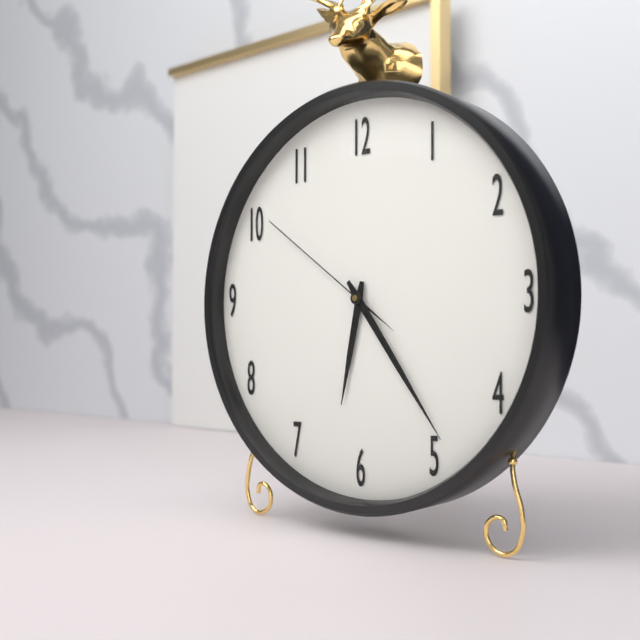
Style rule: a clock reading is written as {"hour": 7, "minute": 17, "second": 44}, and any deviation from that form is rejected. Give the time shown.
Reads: {"hour": 6, "minute": 24, "second": 51}
